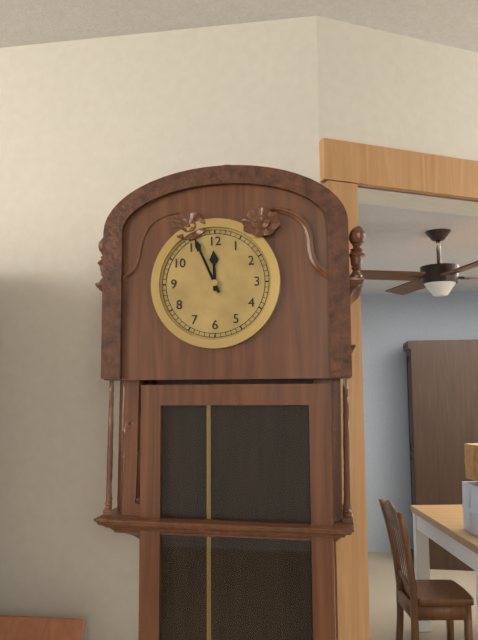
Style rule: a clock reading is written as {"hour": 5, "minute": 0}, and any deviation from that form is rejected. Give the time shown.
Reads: {"hour": 11, "minute": 56}
